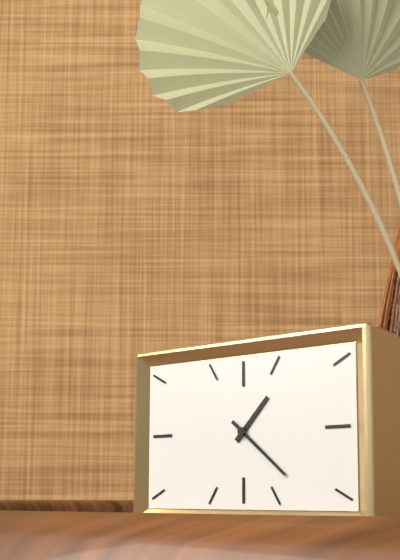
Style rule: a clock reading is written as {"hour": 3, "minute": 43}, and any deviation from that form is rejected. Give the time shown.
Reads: {"hour": 1, "minute": 22}
